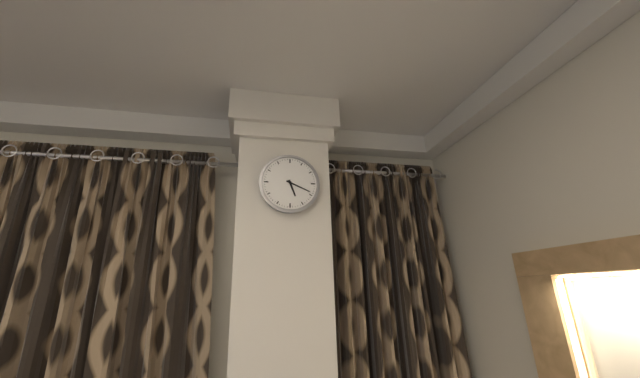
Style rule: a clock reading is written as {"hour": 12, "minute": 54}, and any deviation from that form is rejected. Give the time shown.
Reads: {"hour": 5, "minute": 19}
